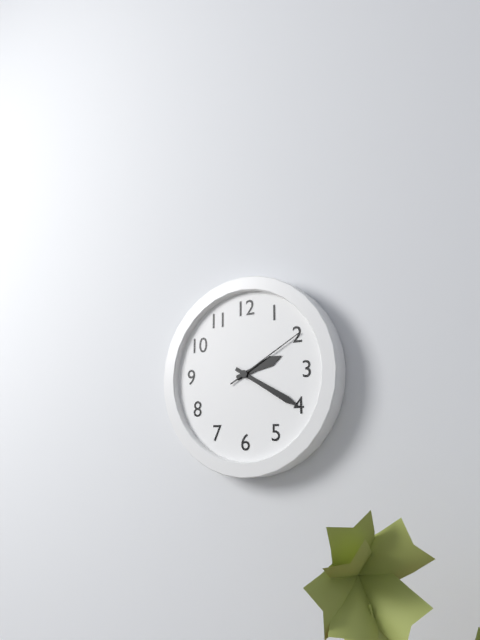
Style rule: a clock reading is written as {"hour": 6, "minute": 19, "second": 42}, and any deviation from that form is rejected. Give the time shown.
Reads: {"hour": 2, "minute": 20, "second": 10}
